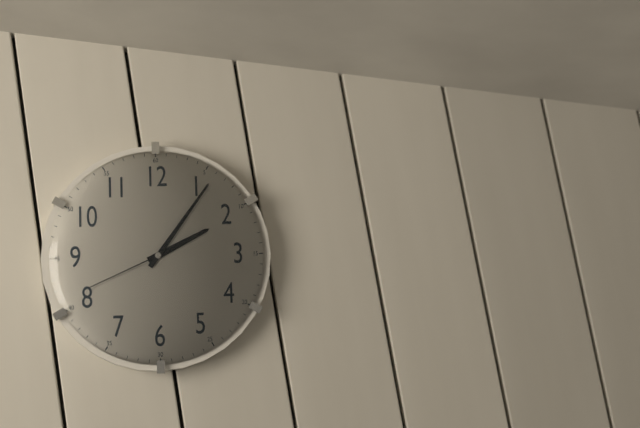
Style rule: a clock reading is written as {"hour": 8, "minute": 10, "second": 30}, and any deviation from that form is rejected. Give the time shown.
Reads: {"hour": 2, "minute": 6, "second": 41}
